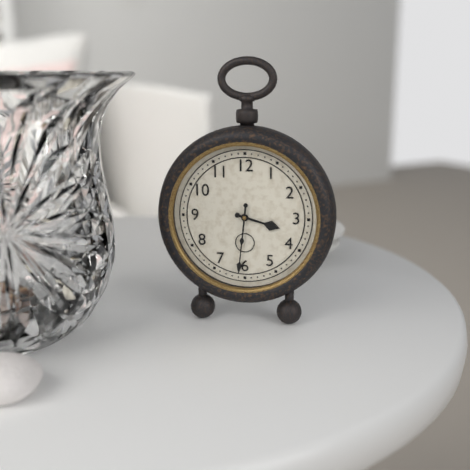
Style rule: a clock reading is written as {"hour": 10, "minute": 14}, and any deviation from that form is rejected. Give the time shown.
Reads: {"hour": 3, "minute": 31}
